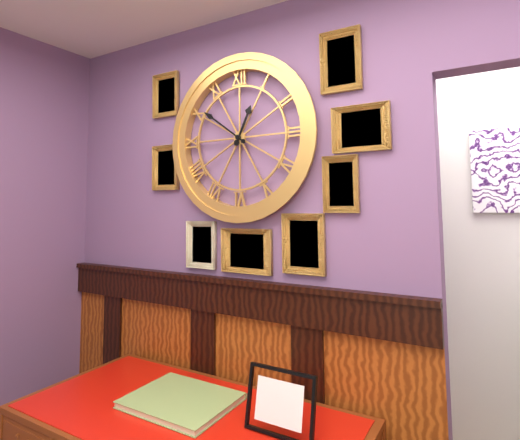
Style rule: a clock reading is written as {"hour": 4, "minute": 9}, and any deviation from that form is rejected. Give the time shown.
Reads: {"hour": 12, "minute": 51}
